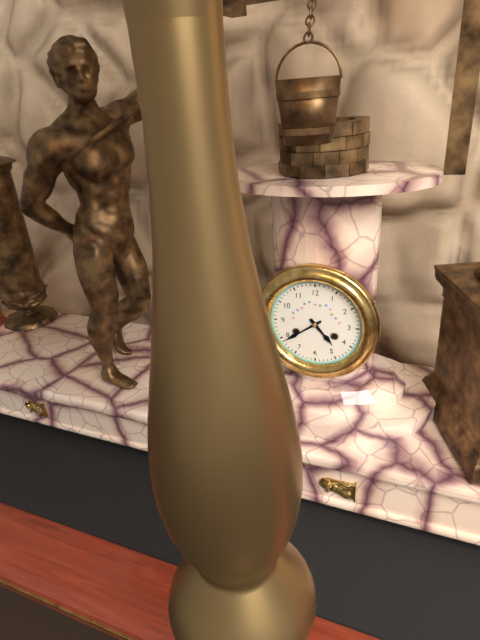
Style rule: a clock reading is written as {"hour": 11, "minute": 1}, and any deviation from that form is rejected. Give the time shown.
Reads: {"hour": 4, "minute": 39}
